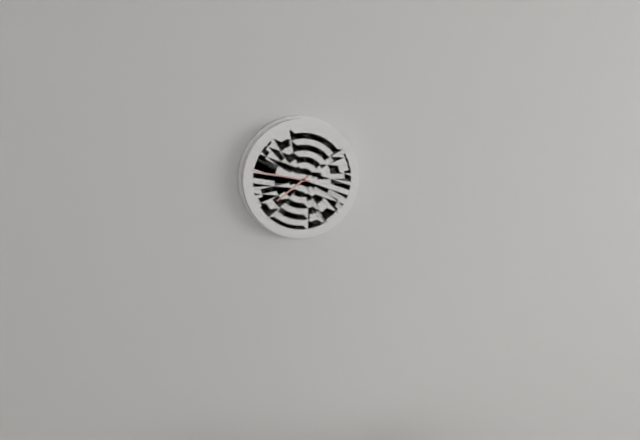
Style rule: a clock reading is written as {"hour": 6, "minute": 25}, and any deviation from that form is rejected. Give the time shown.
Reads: {"hour": 7, "minute": 47}
